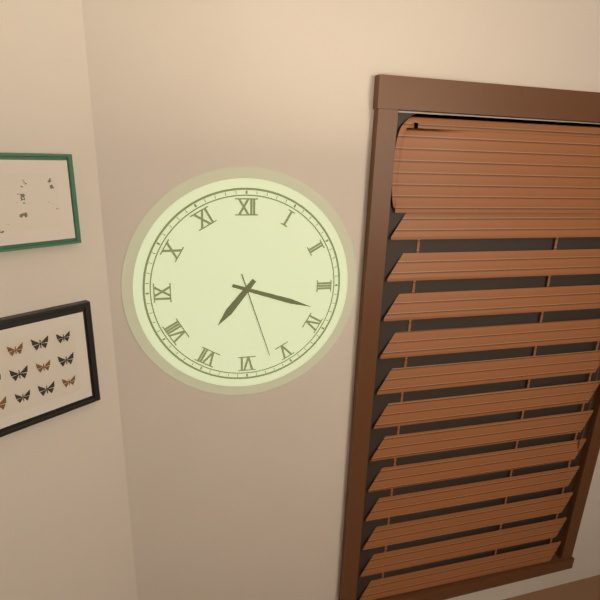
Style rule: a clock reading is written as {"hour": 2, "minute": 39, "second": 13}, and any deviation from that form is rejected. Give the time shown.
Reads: {"hour": 7, "minute": 18, "second": 27}
